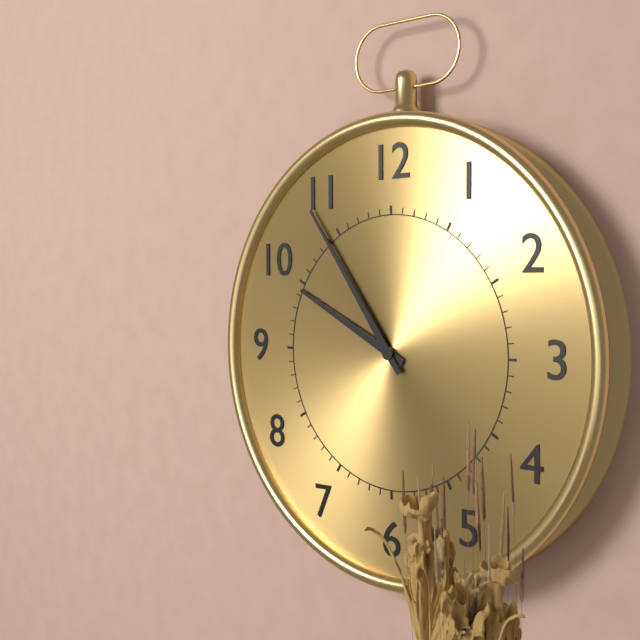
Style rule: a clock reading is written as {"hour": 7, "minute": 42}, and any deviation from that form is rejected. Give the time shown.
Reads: {"hour": 9, "minute": 54}
